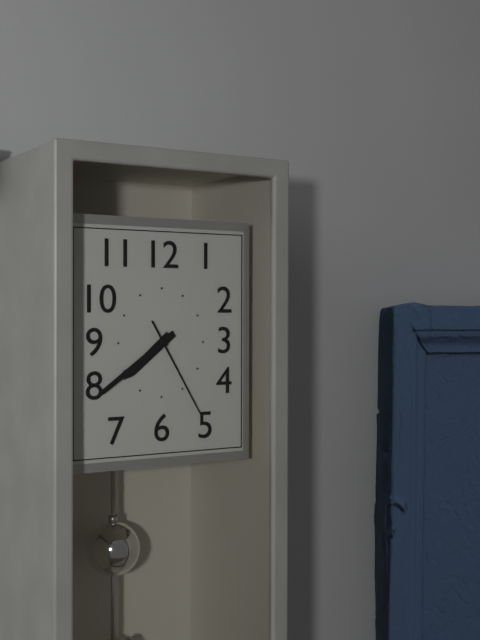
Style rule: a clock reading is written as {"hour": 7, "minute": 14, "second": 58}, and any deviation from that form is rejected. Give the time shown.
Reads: {"hour": 7, "minute": 39, "second": 25}
